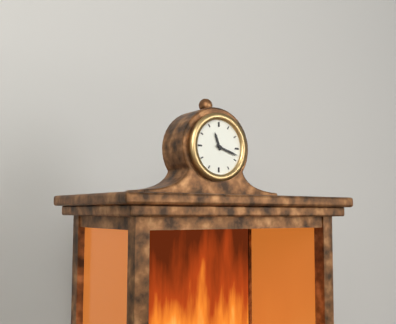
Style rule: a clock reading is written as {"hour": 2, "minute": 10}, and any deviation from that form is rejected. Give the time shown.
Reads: {"hour": 11, "minute": 18}
